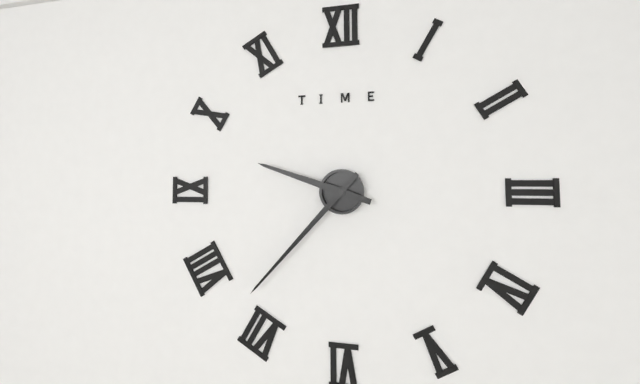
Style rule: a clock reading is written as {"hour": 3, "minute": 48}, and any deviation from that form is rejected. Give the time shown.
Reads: {"hour": 9, "minute": 37}
